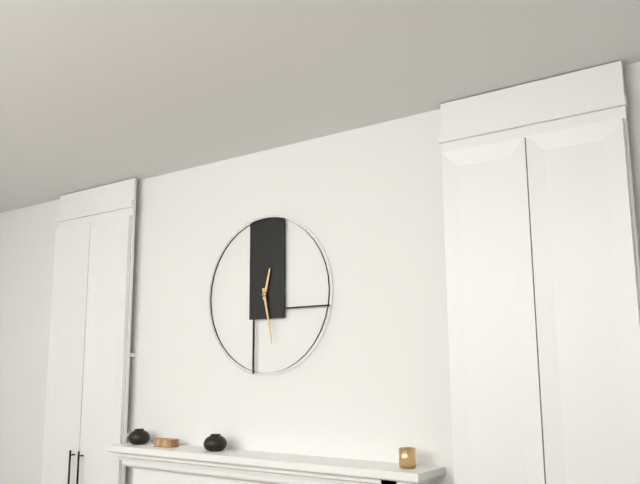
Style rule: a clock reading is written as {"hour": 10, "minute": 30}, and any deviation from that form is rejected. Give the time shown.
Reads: {"hour": 12, "minute": 28}
